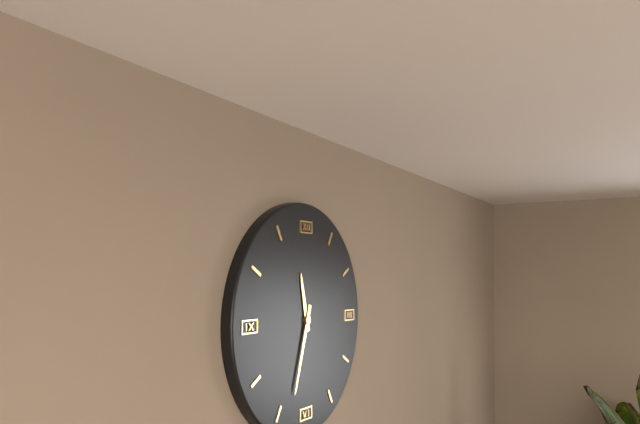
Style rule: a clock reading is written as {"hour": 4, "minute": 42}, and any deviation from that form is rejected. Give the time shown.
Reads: {"hour": 11, "minute": 33}
